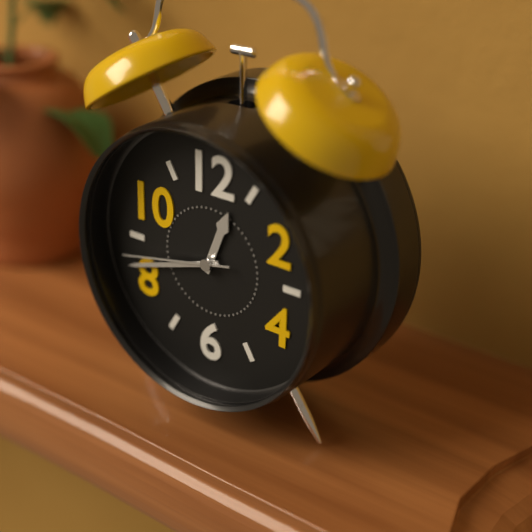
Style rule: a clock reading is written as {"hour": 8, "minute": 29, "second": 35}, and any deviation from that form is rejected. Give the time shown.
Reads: {"hour": 12, "minute": 42, "second": 43}
